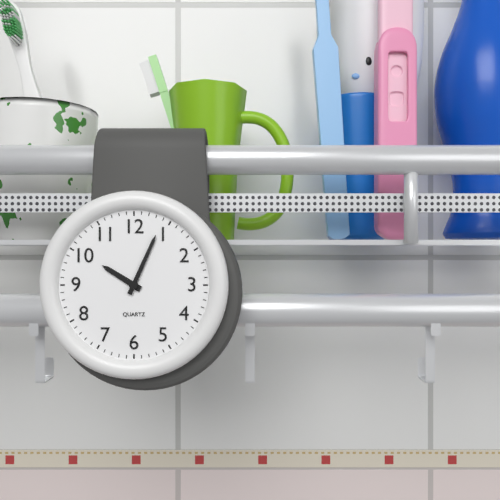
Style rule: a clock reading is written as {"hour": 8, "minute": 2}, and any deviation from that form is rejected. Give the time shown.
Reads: {"hour": 10, "minute": 4}
